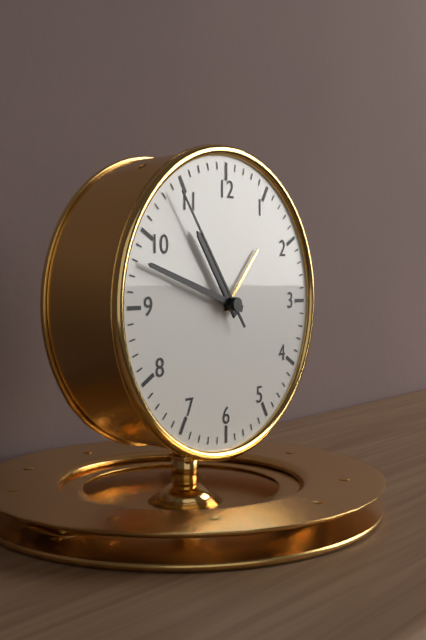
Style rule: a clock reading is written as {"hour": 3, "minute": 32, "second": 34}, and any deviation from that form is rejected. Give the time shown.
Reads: {"hour": 10, "minute": 48, "second": 54}
